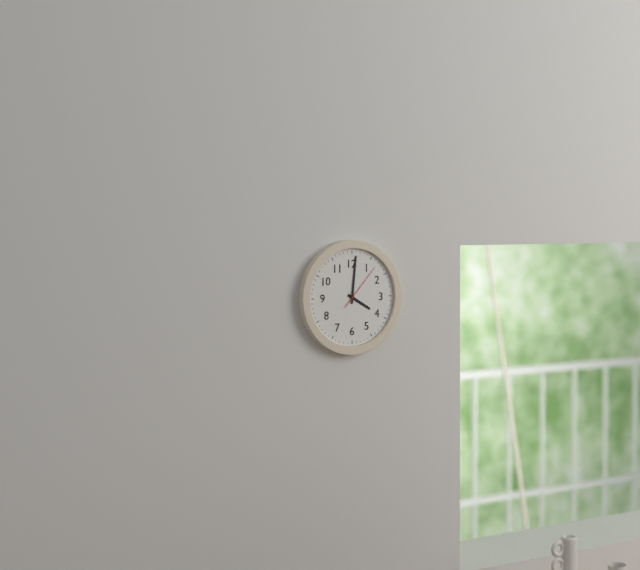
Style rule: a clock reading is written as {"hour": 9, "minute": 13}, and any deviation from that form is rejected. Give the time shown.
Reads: {"hour": 4, "minute": 1}
